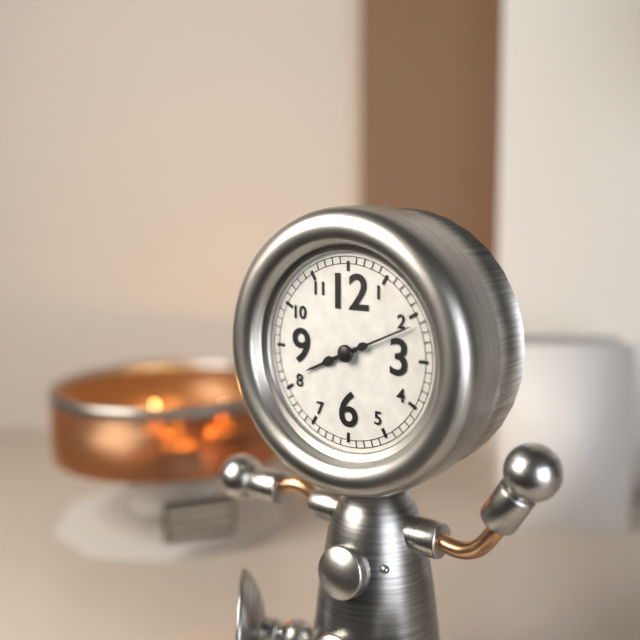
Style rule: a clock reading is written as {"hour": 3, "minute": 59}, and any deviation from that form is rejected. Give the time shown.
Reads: {"hour": 8, "minute": 11}
